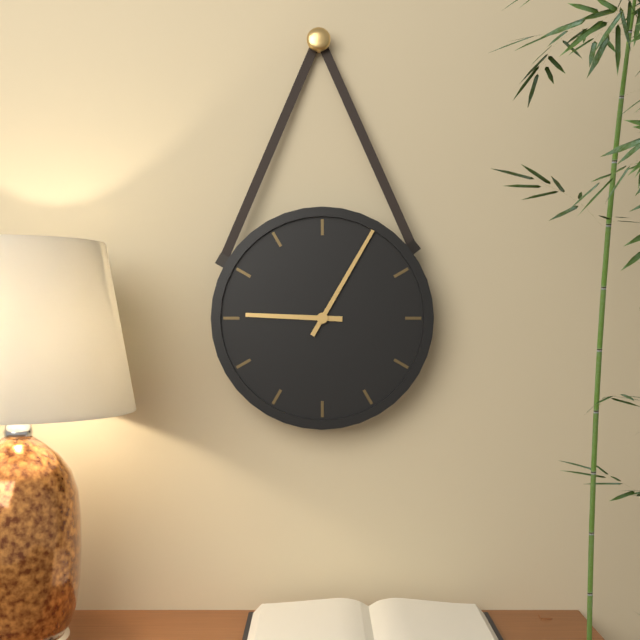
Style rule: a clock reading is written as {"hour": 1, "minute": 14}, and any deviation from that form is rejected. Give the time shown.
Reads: {"hour": 9, "minute": 5}
